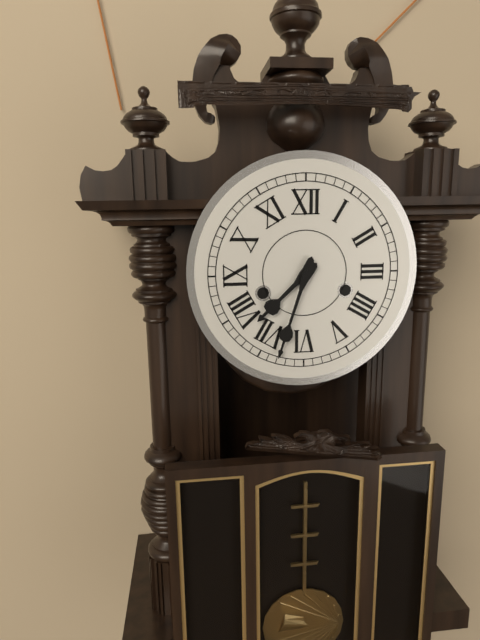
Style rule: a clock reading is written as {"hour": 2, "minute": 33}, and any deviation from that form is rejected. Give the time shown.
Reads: {"hour": 7, "minute": 33}
